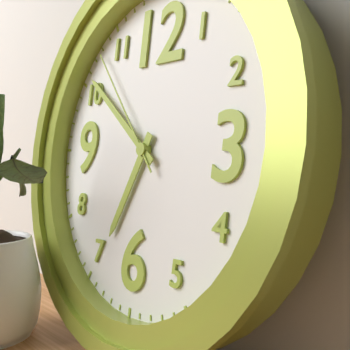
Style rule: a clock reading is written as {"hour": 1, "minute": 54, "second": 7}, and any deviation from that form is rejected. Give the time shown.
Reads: {"hour": 6, "minute": 51, "second": 53}
